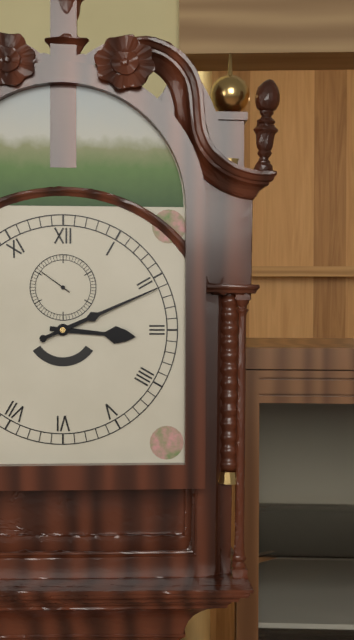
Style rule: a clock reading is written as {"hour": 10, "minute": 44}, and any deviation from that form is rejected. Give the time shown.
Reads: {"hour": 3, "minute": 11}
